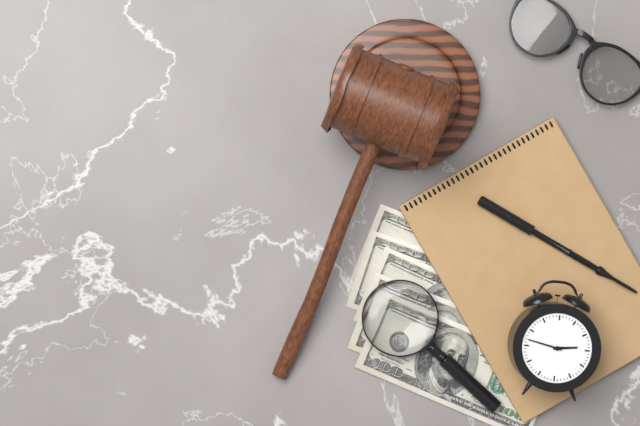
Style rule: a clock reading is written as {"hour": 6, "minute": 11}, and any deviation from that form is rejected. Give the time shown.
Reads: {"hour": 2, "minute": 47}
